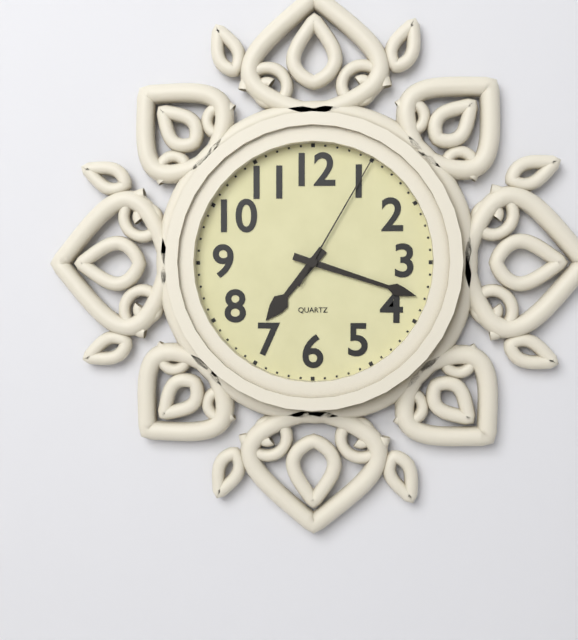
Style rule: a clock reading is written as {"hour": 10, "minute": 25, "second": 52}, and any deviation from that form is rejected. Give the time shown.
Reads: {"hour": 7, "minute": 18, "second": 5}
